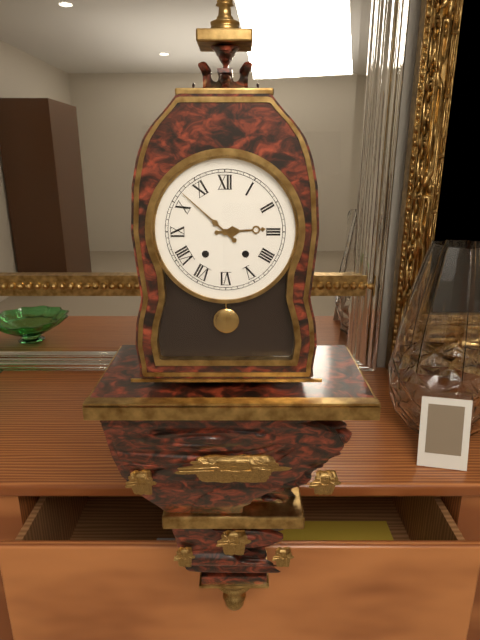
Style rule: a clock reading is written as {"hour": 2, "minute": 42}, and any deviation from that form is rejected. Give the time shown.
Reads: {"hour": 2, "minute": 52}
